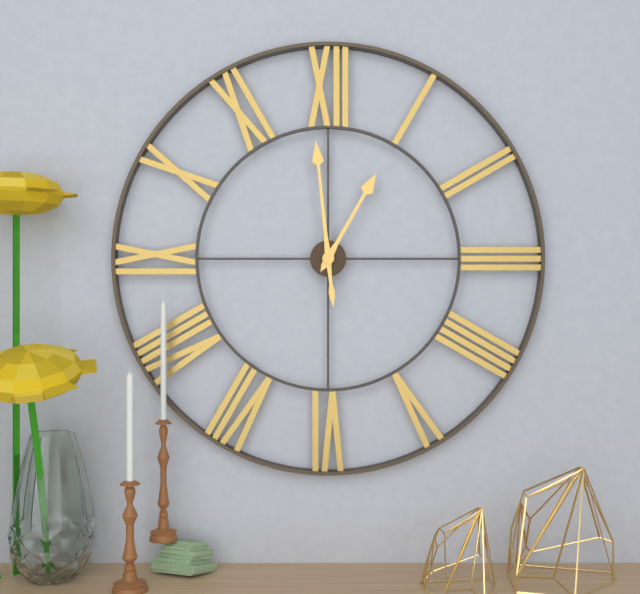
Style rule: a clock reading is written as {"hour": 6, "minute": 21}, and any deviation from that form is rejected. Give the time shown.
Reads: {"hour": 12, "minute": 59}
